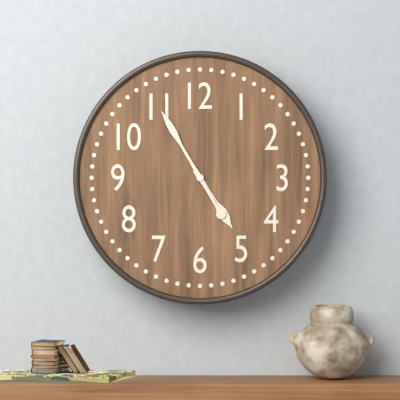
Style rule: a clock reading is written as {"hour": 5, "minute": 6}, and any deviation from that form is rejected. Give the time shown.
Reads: {"hour": 4, "minute": 55}
